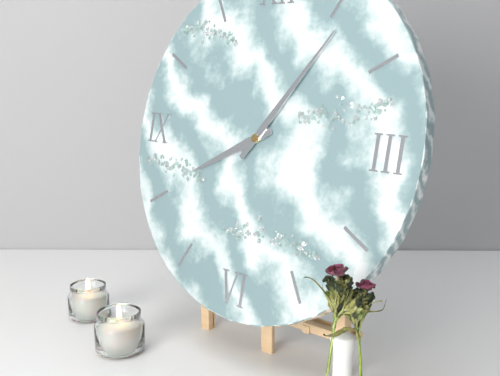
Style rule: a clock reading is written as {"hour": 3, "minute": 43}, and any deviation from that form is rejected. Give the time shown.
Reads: {"hour": 8, "minute": 6}
